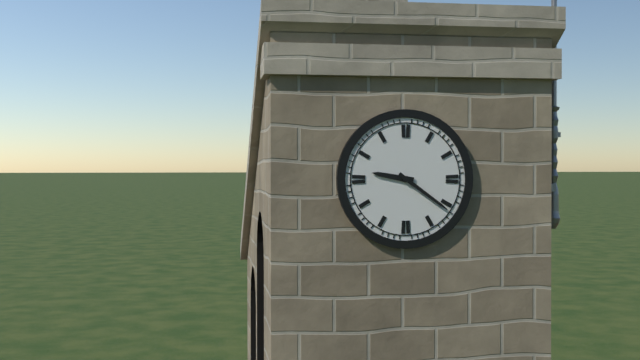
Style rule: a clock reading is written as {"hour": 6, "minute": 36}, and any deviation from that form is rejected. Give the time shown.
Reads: {"hour": 9, "minute": 21}
